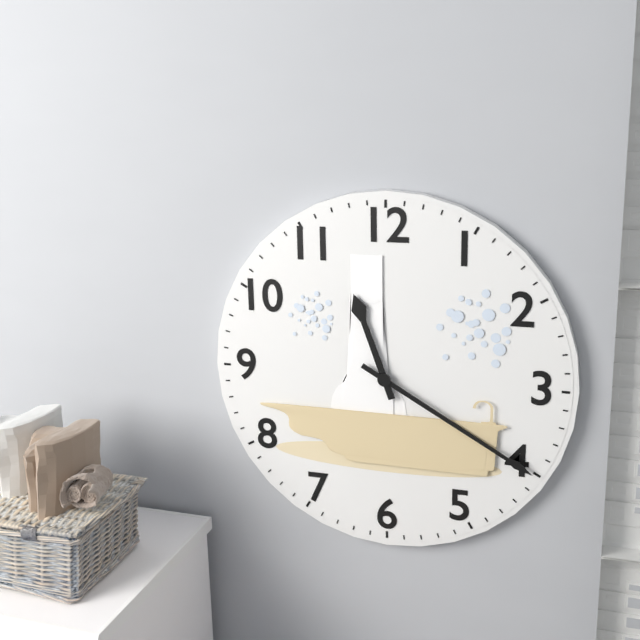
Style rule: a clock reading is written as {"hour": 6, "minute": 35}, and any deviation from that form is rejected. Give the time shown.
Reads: {"hour": 11, "minute": 20}
